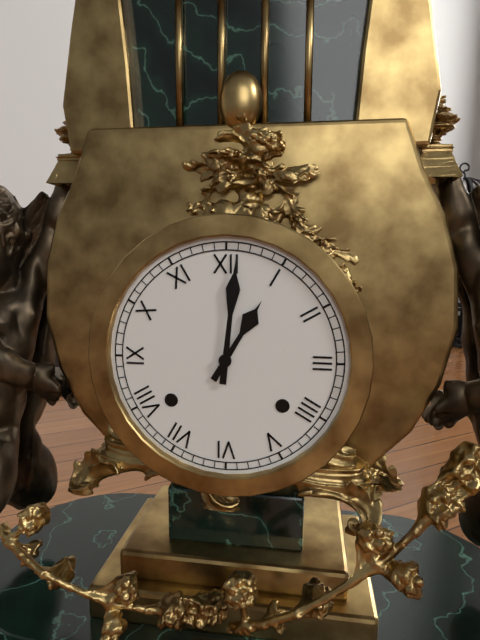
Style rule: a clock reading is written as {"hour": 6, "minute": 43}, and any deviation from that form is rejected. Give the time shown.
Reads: {"hour": 1, "minute": 1}
